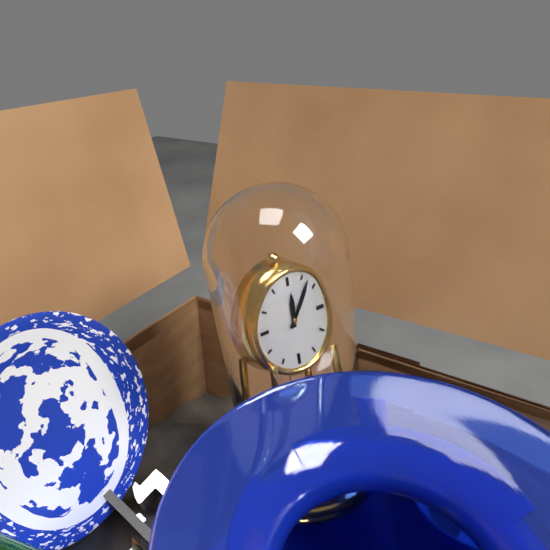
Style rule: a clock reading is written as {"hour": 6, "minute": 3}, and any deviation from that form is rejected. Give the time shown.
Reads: {"hour": 12, "minute": 7}
